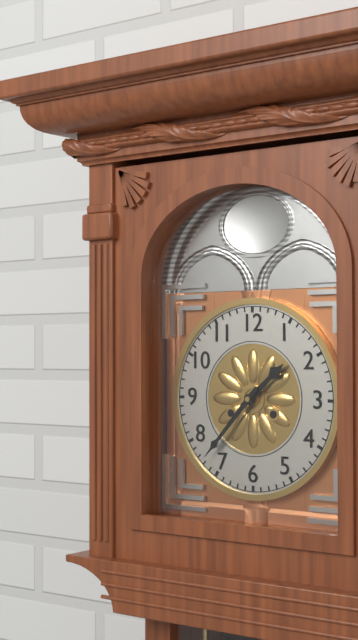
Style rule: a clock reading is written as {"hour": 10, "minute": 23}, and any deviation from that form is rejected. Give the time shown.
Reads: {"hour": 1, "minute": 37}
